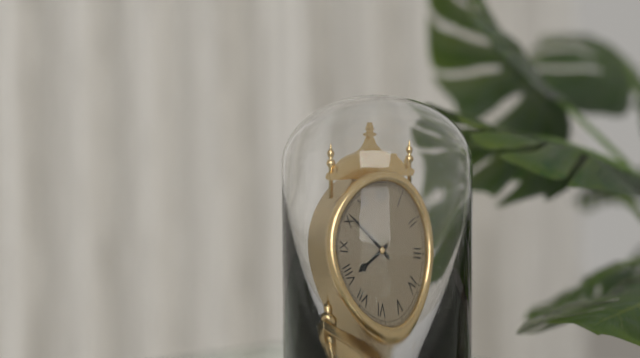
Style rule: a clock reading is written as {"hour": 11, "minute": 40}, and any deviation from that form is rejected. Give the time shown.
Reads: {"hour": 7, "minute": 51}
